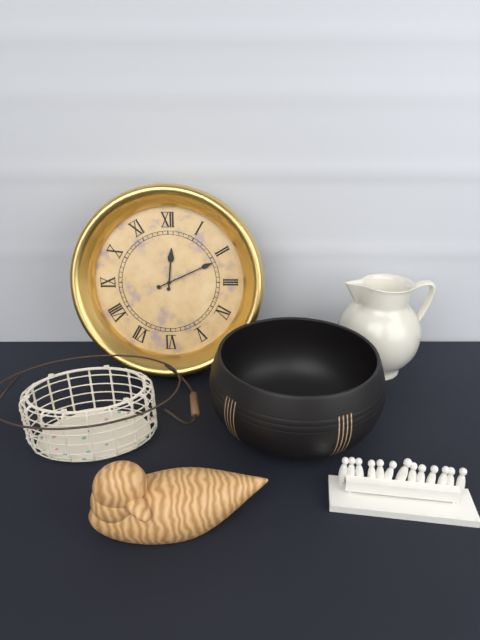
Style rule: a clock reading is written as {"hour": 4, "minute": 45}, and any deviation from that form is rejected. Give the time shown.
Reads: {"hour": 12, "minute": 11}
